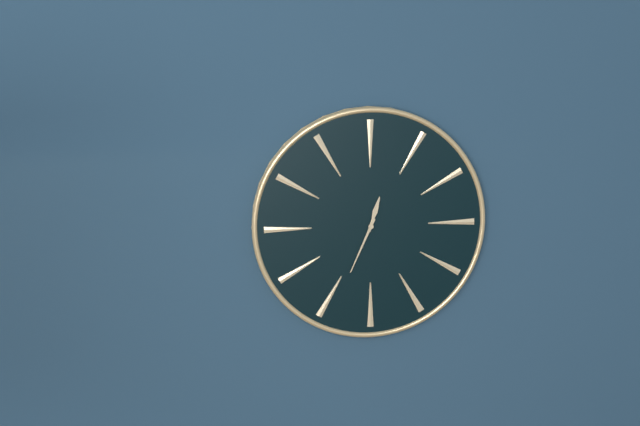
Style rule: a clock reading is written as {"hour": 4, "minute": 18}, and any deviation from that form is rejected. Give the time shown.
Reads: {"hour": 12, "minute": 34}
